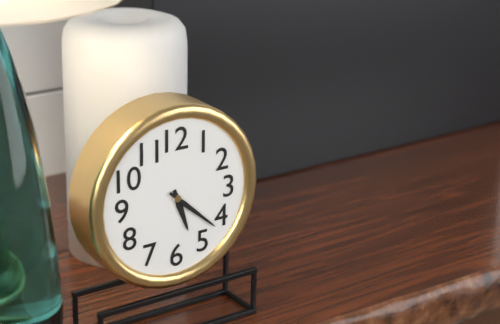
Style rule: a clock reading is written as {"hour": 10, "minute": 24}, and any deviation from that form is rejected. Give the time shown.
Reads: {"hour": 5, "minute": 22}
